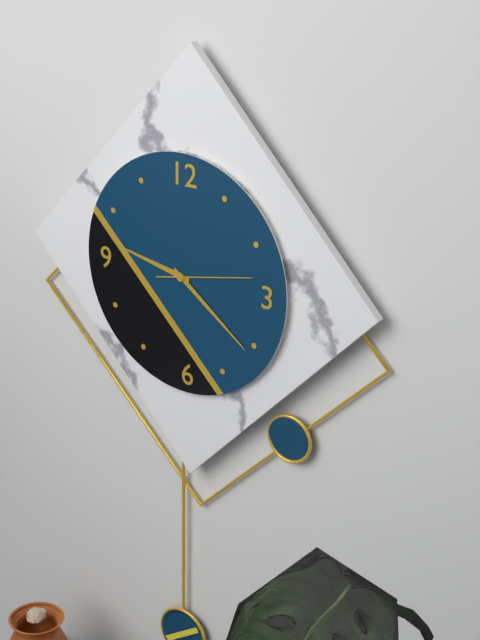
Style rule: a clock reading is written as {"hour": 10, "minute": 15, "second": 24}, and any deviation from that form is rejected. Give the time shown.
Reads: {"hour": 9, "minute": 21, "second": 13}
